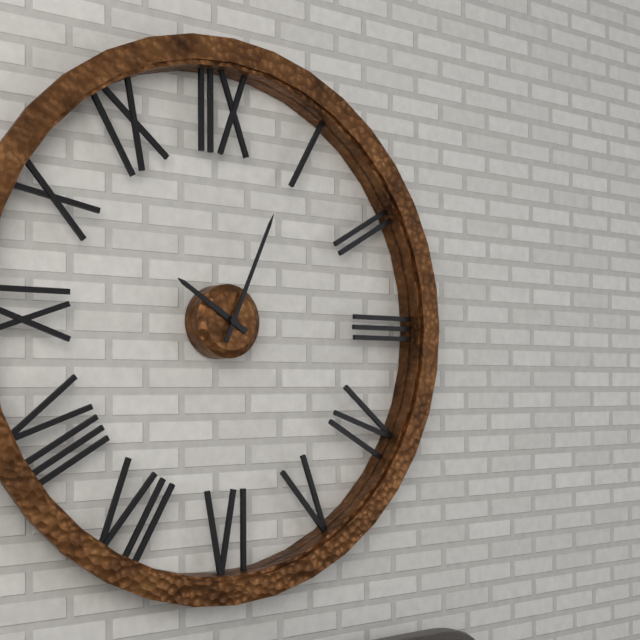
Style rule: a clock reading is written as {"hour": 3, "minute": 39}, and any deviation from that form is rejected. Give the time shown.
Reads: {"hour": 10, "minute": 4}
